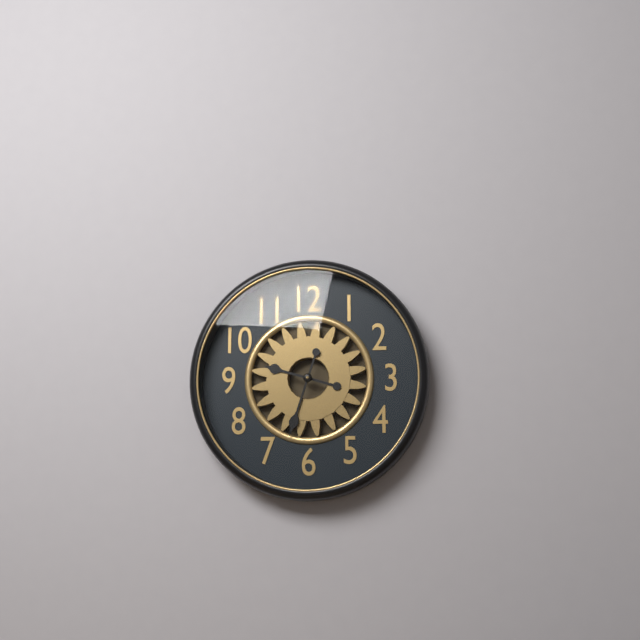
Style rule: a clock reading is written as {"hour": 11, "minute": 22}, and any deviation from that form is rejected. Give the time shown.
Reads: {"hour": 9, "minute": 33}
